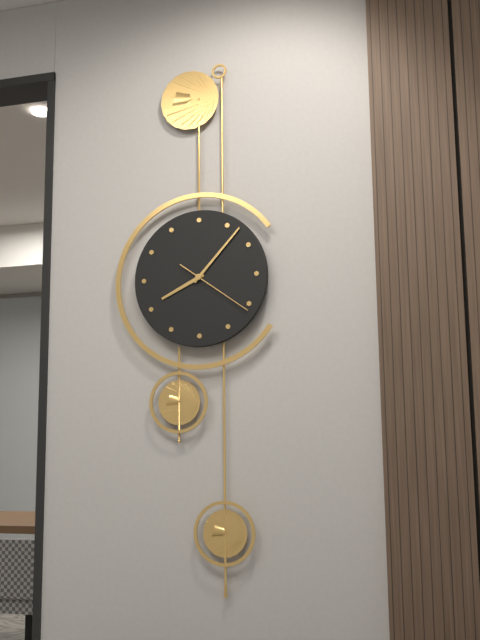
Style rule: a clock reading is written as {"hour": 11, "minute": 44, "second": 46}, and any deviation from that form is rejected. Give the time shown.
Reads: {"hour": 8, "minute": 7, "second": 21}
